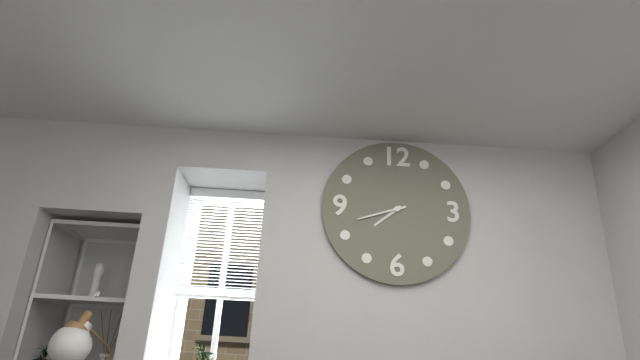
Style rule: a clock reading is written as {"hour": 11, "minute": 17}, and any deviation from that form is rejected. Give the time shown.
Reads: {"hour": 7, "minute": 42}
